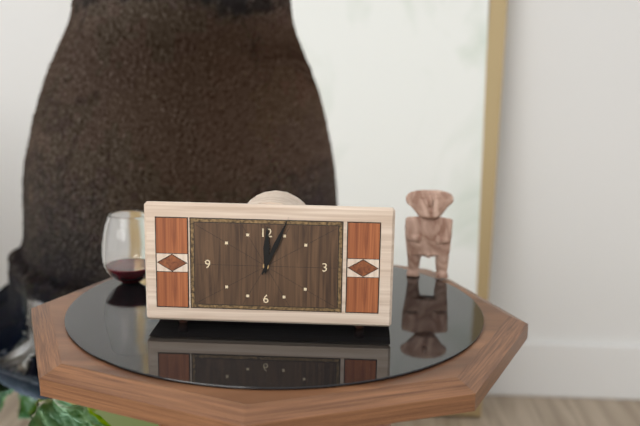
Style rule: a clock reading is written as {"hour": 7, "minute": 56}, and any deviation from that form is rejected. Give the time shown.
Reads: {"hour": 12, "minute": 4}
